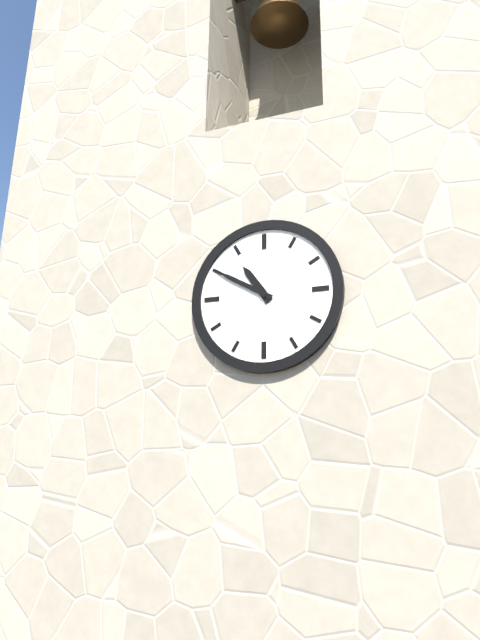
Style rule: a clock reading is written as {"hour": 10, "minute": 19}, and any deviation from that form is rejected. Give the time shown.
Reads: {"hour": 10, "minute": 50}
